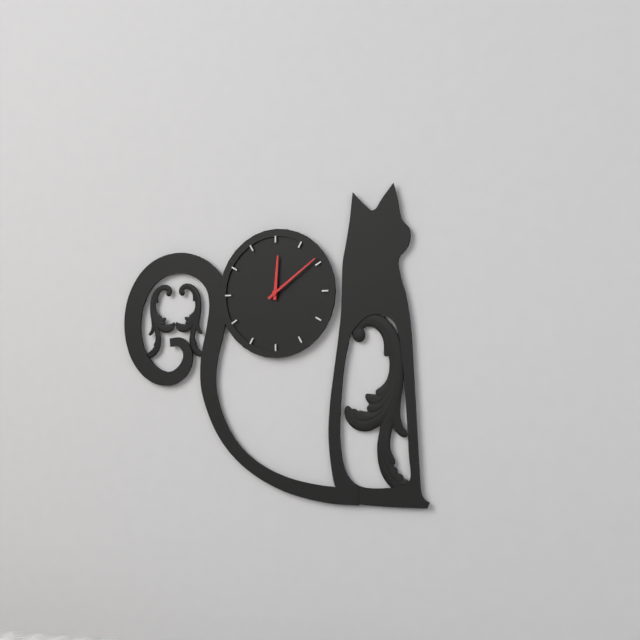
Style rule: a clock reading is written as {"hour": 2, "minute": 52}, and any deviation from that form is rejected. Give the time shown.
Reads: {"hour": 12, "minute": 9}
